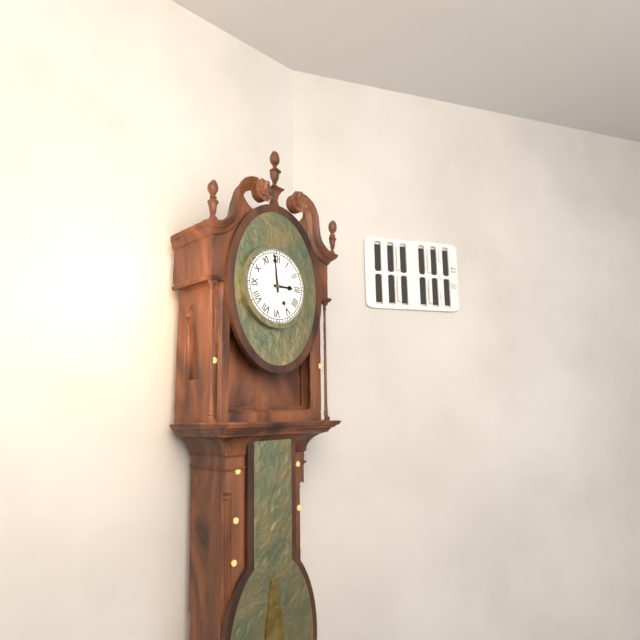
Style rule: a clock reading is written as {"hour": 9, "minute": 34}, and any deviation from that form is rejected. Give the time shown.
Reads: {"hour": 2, "minute": 59}
